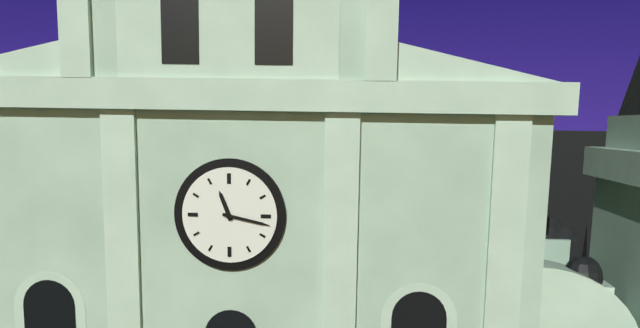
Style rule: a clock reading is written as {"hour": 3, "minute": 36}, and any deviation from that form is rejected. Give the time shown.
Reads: {"hour": 11, "minute": 17}
